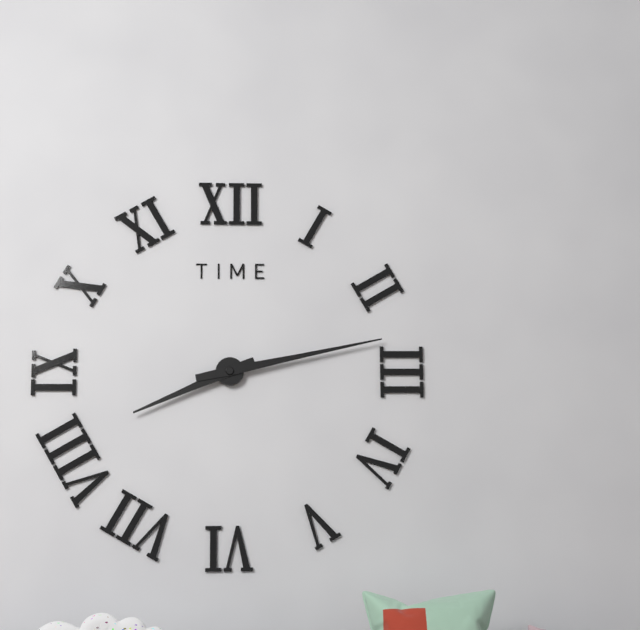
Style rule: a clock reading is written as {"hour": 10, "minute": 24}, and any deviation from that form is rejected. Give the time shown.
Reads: {"hour": 8, "minute": 13}
